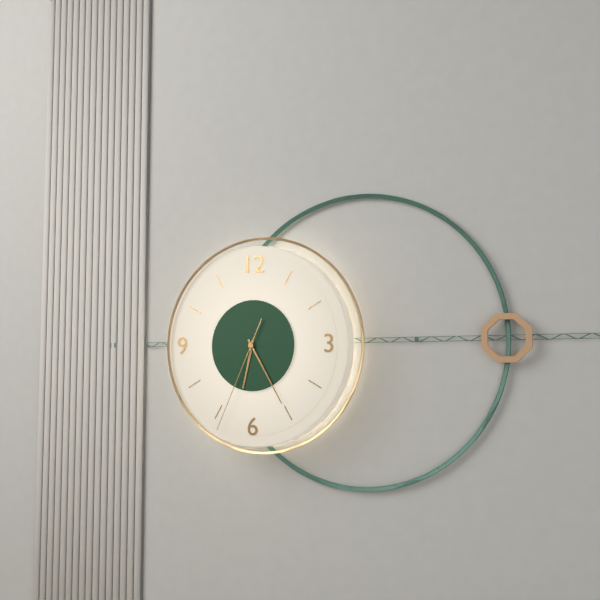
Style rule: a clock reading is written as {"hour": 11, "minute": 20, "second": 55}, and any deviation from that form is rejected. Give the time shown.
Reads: {"hour": 6, "minute": 25, "second": 34}
